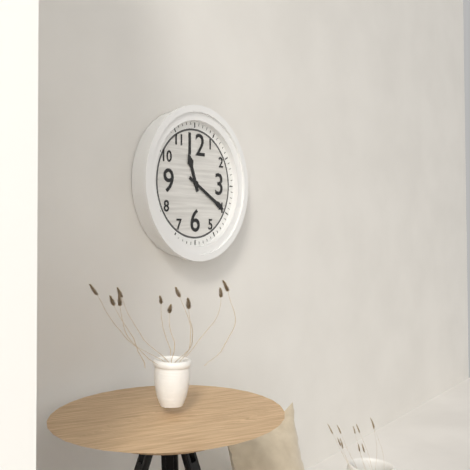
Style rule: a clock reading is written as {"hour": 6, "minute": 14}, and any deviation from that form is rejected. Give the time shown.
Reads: {"hour": 11, "minute": 20}
